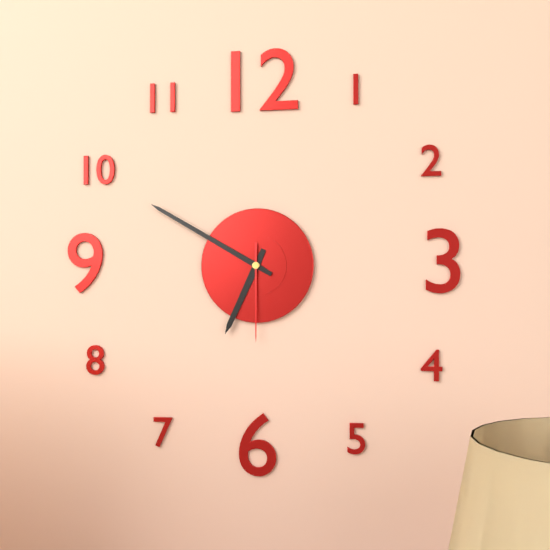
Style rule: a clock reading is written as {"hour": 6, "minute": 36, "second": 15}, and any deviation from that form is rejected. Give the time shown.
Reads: {"hour": 6, "minute": 50, "second": 30}
